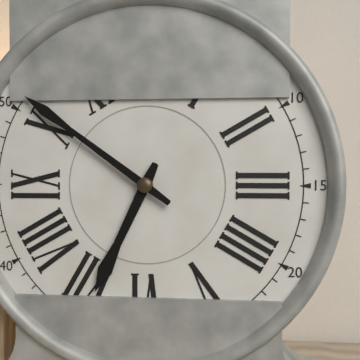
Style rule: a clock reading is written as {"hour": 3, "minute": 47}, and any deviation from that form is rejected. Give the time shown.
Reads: {"hour": 6, "minute": 51}
